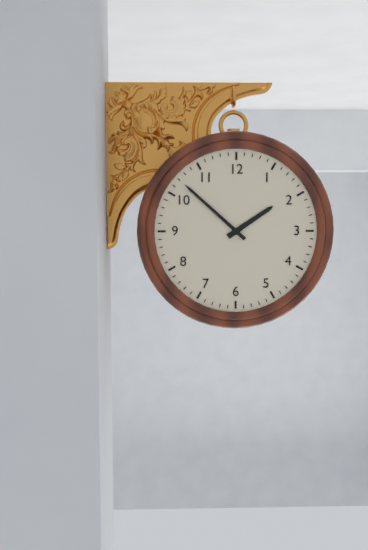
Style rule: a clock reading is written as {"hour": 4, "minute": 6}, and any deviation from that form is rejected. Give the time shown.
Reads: {"hour": 1, "minute": 52}
